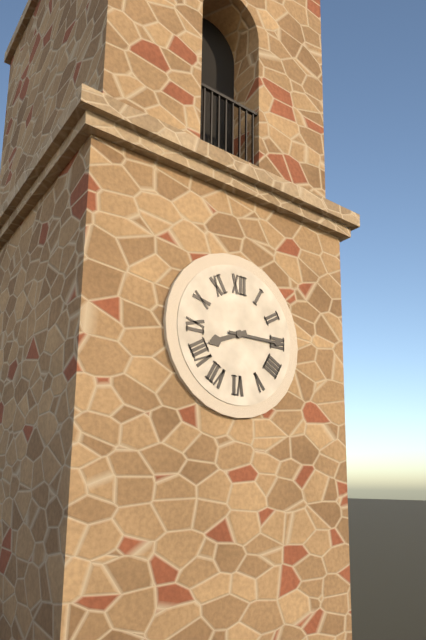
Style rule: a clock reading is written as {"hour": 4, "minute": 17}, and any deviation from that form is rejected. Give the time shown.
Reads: {"hour": 8, "minute": 15}
